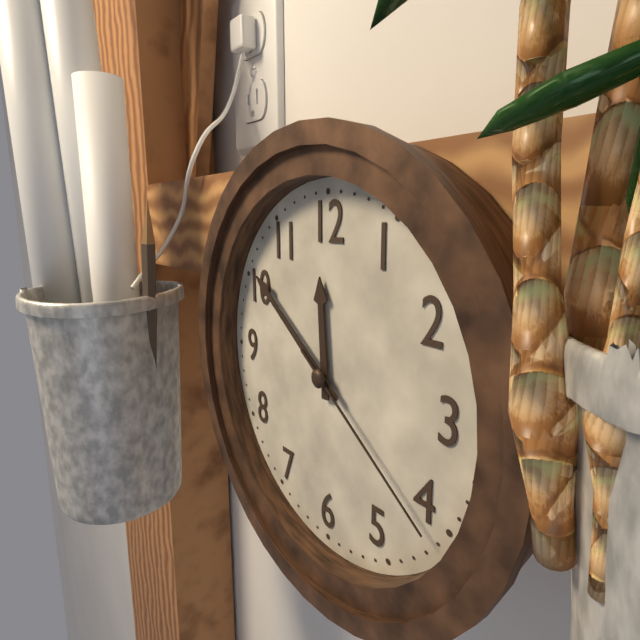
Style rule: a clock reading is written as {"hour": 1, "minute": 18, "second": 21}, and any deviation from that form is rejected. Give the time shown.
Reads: {"hour": 11, "minute": 51, "second": 21}
